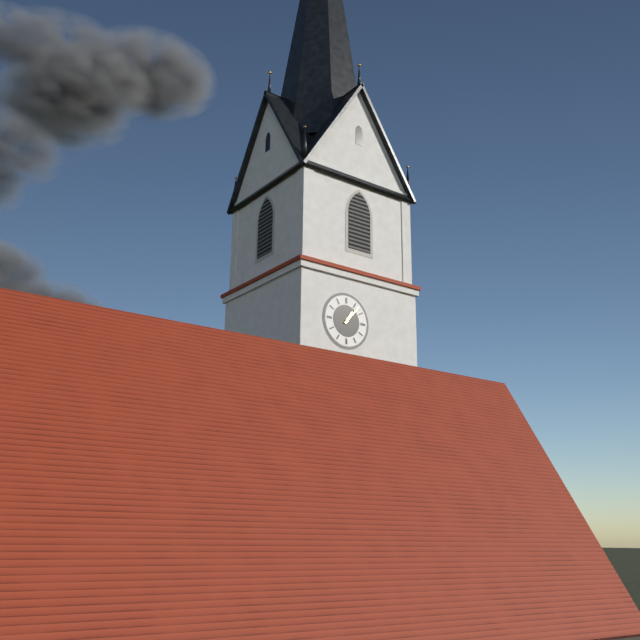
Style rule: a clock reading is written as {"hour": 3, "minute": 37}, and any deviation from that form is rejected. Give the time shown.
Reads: {"hour": 1, "minute": 7}
